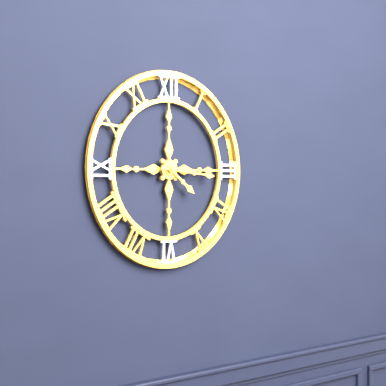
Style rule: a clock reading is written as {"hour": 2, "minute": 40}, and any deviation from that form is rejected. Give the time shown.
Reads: {"hour": 4, "minute": 16}
